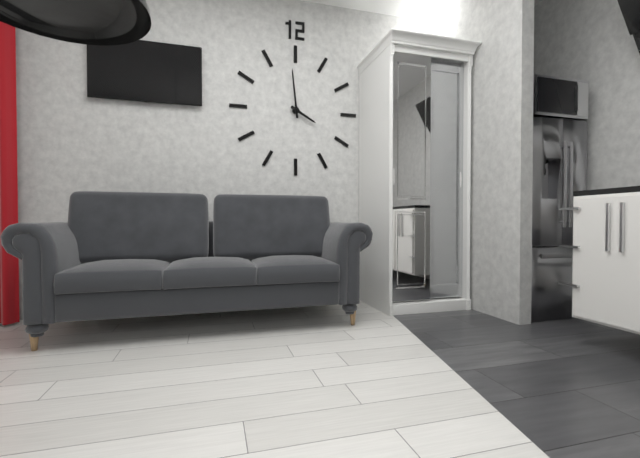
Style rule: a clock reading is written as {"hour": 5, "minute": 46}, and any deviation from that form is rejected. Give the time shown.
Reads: {"hour": 3, "minute": 59}
